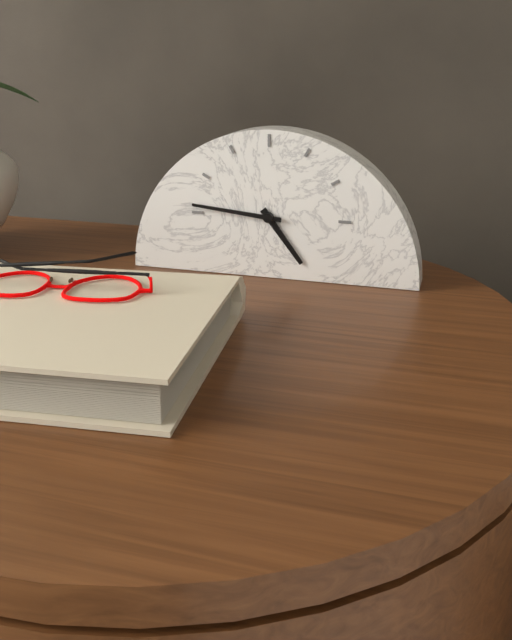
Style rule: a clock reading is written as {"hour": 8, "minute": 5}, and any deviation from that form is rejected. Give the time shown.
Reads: {"hour": 4, "minute": 46}
